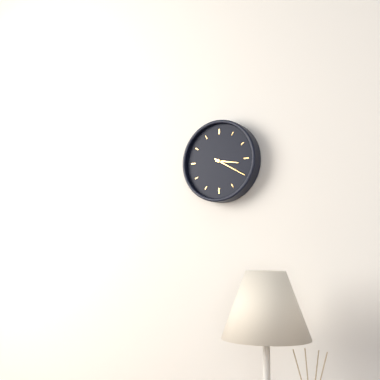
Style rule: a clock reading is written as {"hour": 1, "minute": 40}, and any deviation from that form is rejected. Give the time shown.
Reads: {"hour": 3, "minute": 20}
